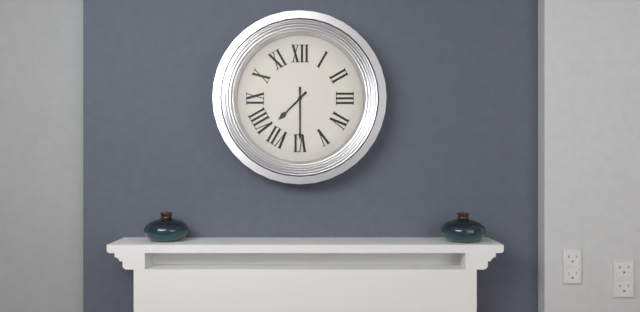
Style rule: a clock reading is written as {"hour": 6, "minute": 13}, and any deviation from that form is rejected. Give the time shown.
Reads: {"hour": 7, "minute": 30}
